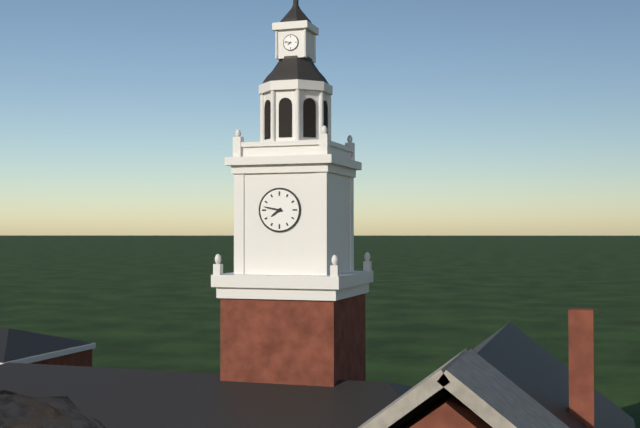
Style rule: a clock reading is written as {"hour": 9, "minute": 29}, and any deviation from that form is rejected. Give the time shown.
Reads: {"hour": 7, "minute": 47}
